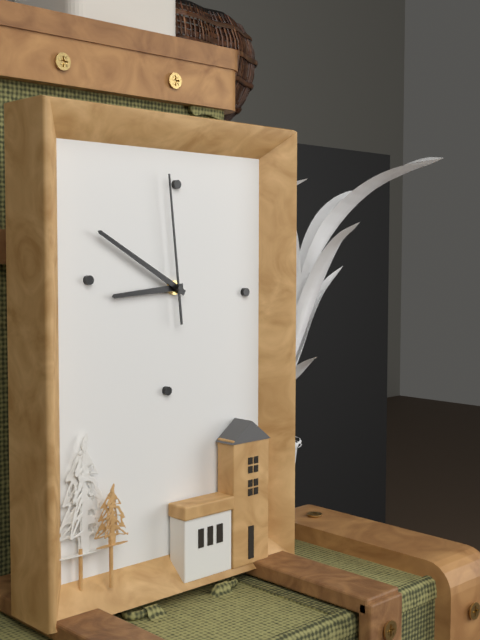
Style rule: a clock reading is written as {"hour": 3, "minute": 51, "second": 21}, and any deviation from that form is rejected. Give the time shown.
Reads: {"hour": 8, "minute": 50, "second": 59}
